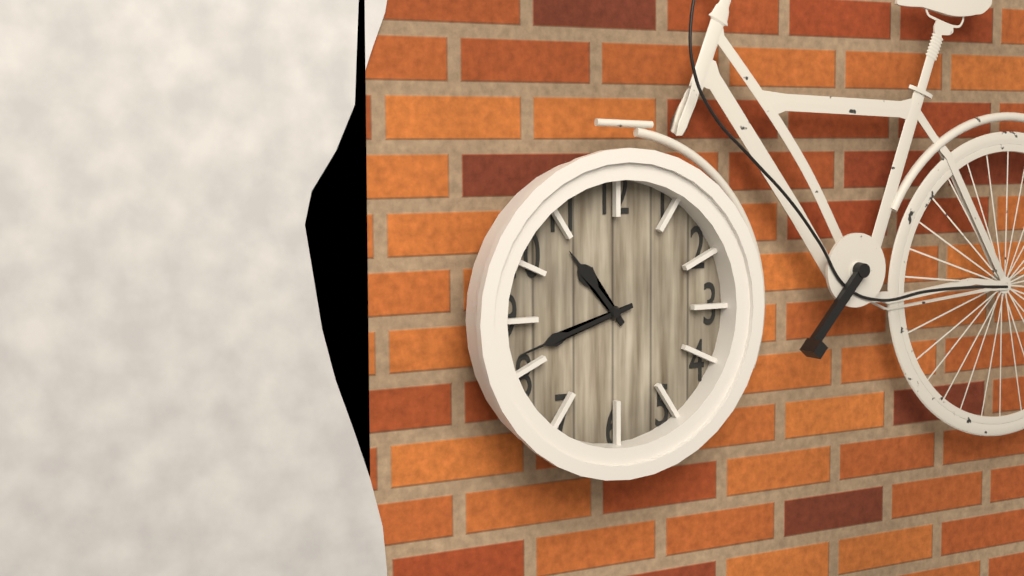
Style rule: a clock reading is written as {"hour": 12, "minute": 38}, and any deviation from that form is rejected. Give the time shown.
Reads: {"hour": 10, "minute": 42}
